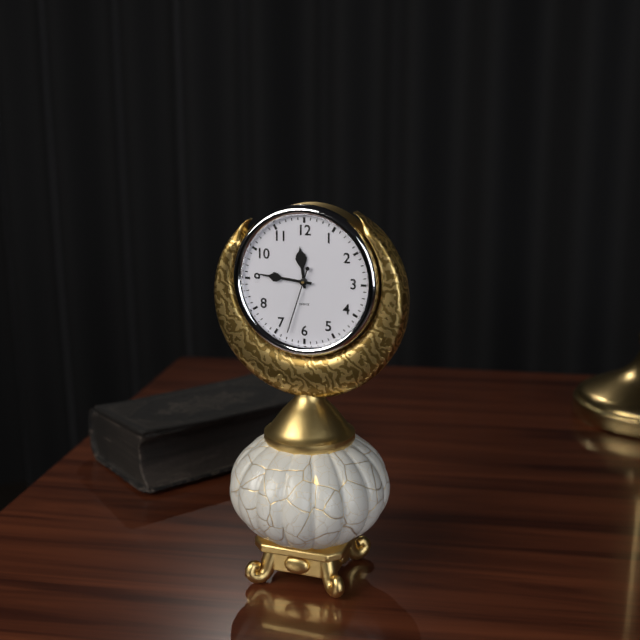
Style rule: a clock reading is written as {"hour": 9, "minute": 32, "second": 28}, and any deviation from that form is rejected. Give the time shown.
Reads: {"hour": 11, "minute": 46, "second": 33}
